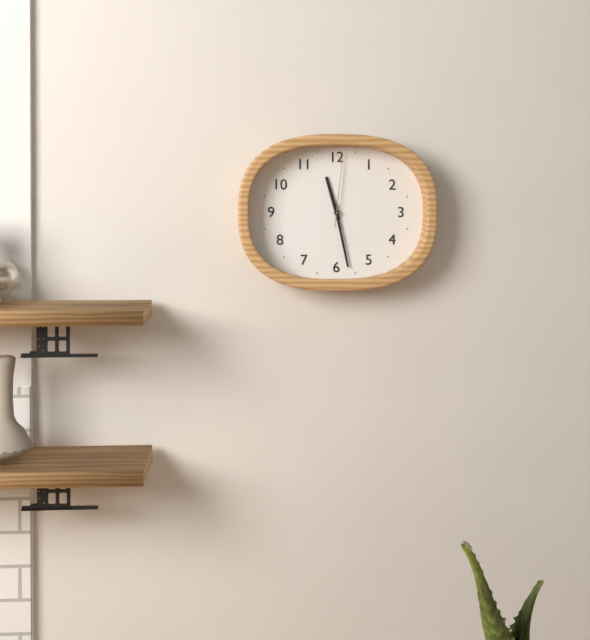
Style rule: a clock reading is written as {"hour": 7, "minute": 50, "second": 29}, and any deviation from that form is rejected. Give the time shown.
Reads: {"hour": 11, "minute": 28, "second": 1}
